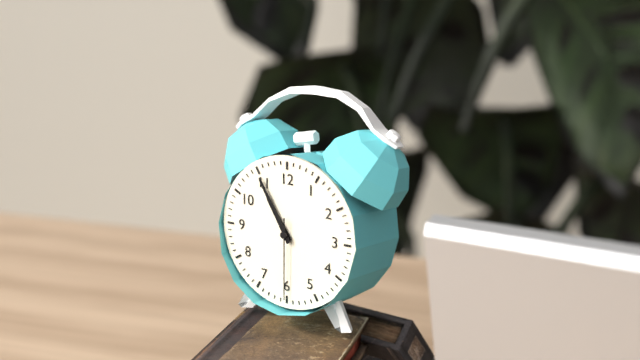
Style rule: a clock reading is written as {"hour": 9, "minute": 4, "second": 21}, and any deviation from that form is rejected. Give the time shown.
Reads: {"hour": 10, "minute": 55, "second": 30}
